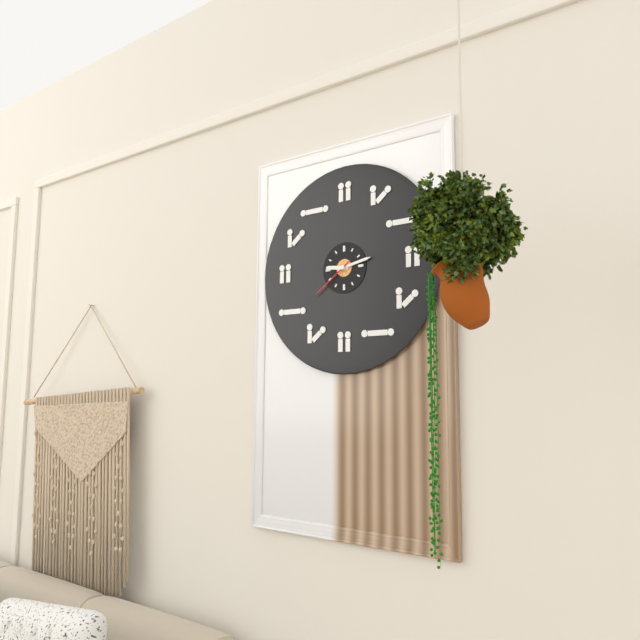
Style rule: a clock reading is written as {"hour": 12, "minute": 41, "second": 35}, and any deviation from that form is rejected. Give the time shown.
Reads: {"hour": 9, "minute": 13, "second": 39}
